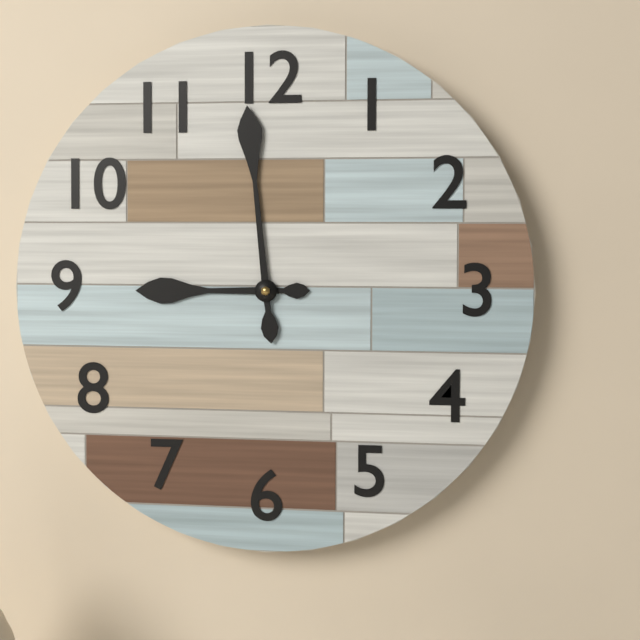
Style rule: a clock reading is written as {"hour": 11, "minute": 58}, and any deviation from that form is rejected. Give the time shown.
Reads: {"hour": 8, "minute": 59}
